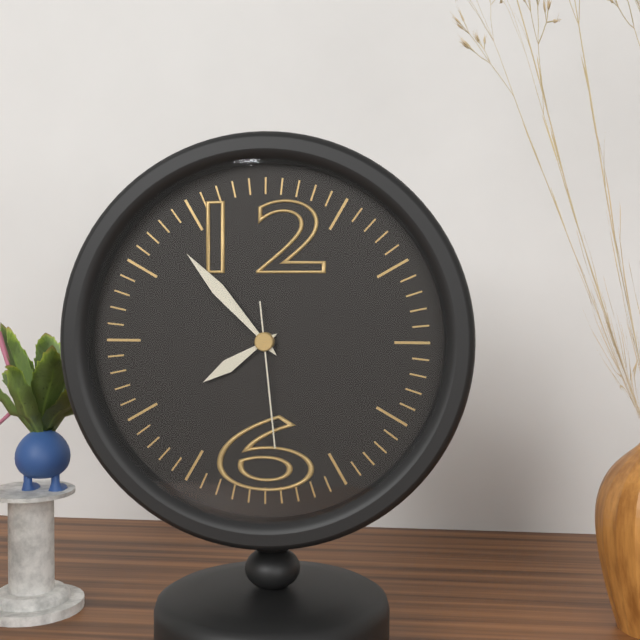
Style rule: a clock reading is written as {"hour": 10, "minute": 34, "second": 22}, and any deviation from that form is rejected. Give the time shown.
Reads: {"hour": 7, "minute": 53, "second": 29}
